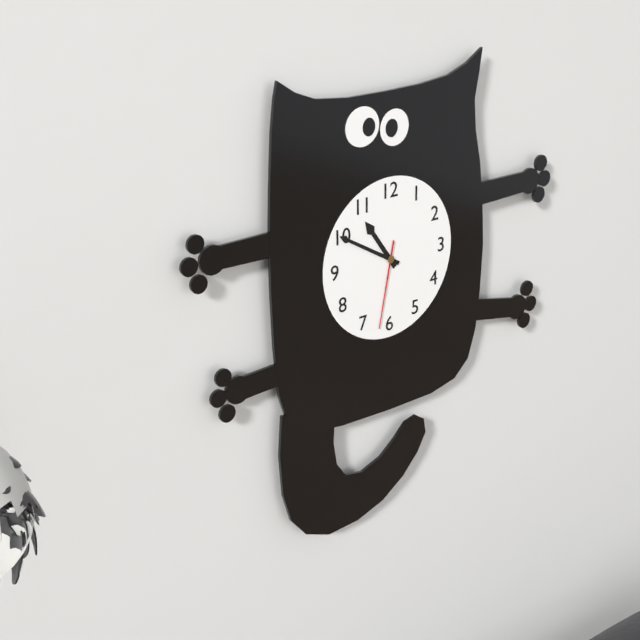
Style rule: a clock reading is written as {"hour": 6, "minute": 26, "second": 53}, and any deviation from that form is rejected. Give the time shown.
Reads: {"hour": 10, "minute": 50, "second": 32}
